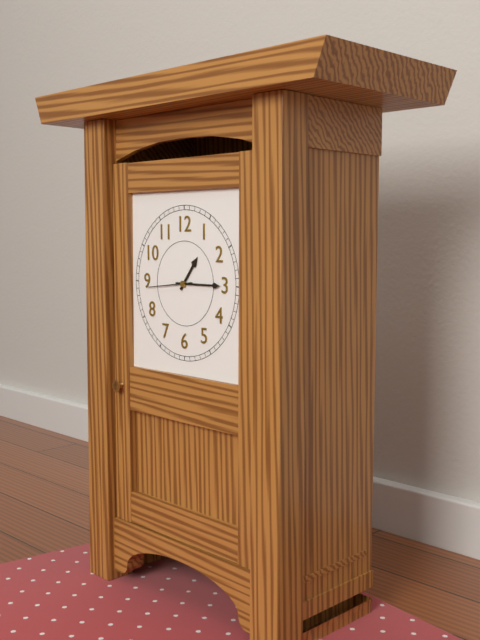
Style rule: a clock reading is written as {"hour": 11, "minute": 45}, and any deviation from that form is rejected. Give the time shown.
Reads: {"hour": 1, "minute": 15}
